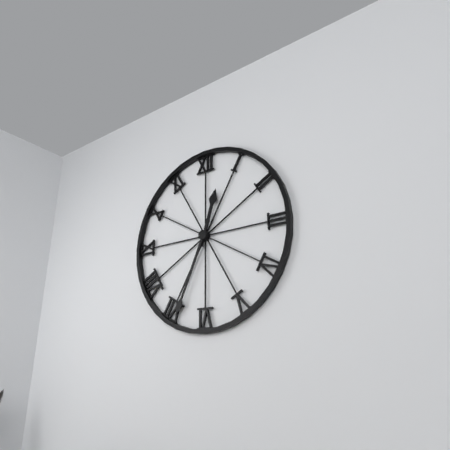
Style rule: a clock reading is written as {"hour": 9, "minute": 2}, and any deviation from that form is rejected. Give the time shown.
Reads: {"hour": 12, "minute": 34}
